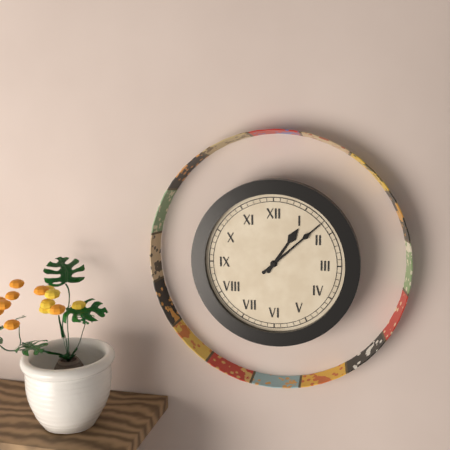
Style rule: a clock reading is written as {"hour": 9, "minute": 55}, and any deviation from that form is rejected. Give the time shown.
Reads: {"hour": 1, "minute": 8}
